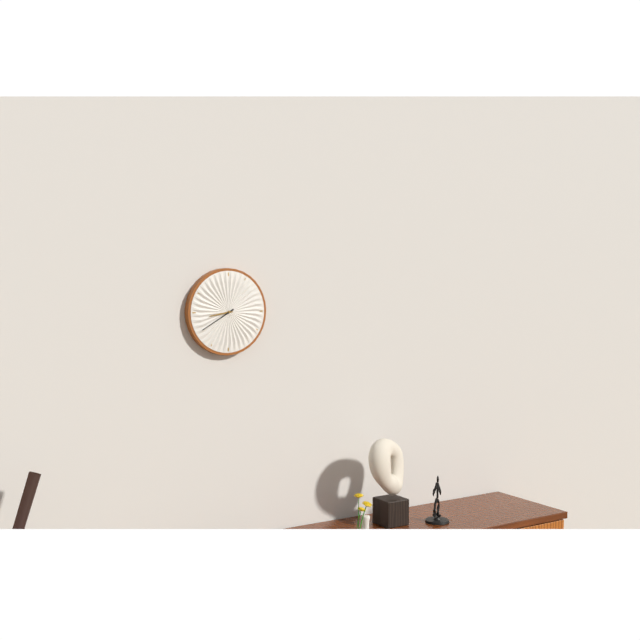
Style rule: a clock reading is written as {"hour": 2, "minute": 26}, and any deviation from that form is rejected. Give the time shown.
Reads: {"hour": 8, "minute": 40}
